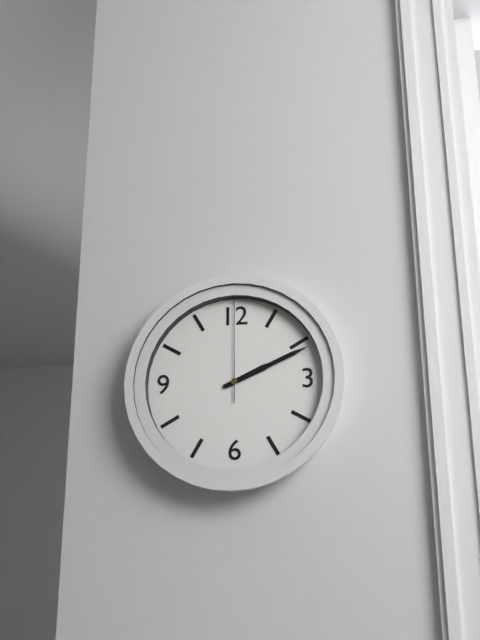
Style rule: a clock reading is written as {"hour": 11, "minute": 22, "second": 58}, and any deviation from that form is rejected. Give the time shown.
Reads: {"hour": 2, "minute": 11, "second": 0}
